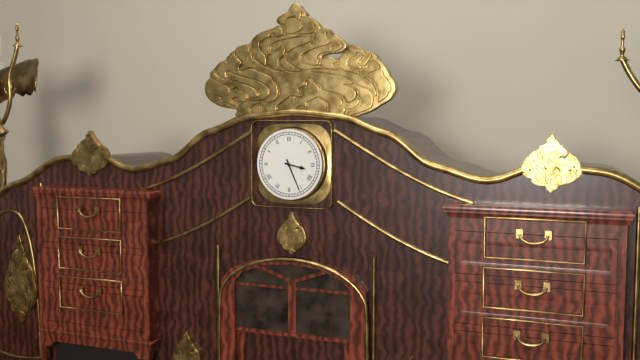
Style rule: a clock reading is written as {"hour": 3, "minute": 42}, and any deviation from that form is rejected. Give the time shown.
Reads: {"hour": 3, "minute": 26}
